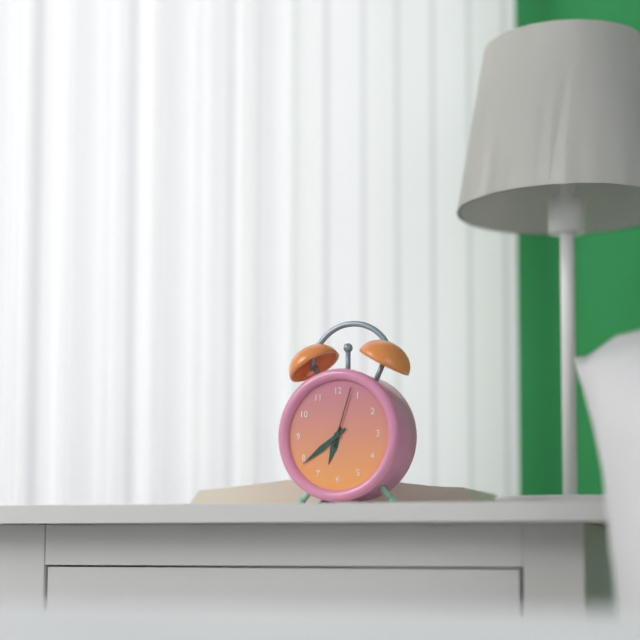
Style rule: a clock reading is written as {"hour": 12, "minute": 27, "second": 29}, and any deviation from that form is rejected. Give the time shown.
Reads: {"hour": 6, "minute": 39, "second": 3}
